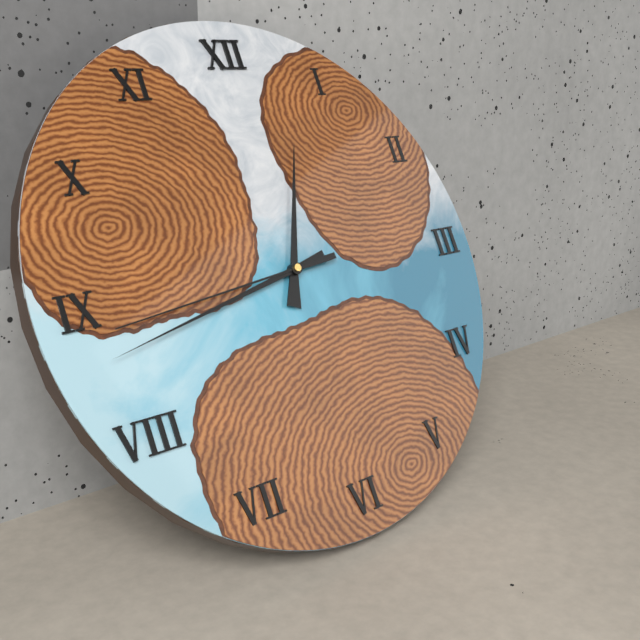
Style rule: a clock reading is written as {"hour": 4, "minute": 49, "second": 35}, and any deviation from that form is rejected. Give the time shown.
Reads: {"hour": 12, "minute": 43, "second": 44}
